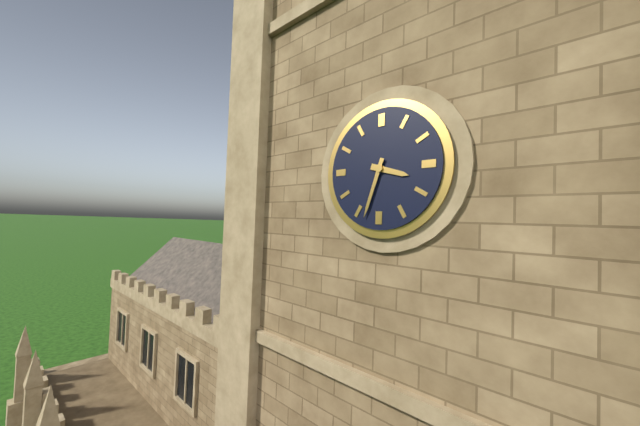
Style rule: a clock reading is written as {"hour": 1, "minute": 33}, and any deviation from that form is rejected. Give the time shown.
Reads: {"hour": 3, "minute": 33}
